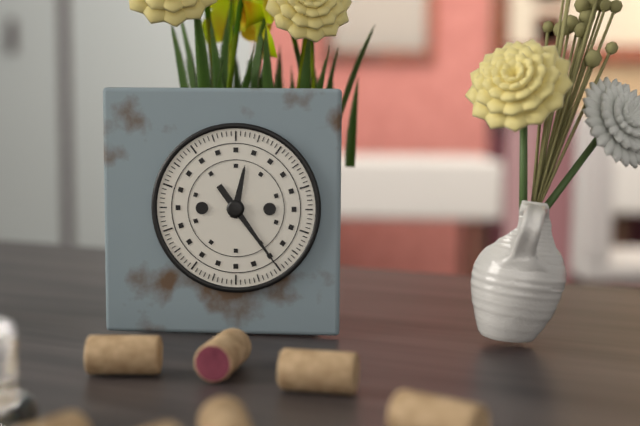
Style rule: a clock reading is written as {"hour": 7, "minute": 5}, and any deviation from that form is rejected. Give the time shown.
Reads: {"hour": 12, "minute": 24}
